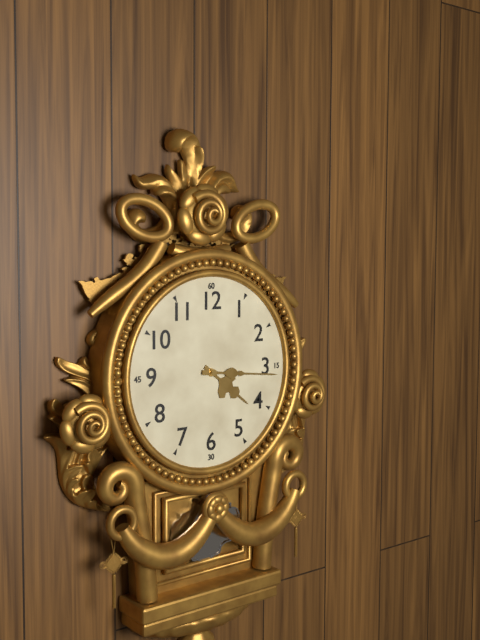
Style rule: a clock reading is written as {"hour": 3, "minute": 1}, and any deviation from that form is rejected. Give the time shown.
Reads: {"hour": 4, "minute": 16}
